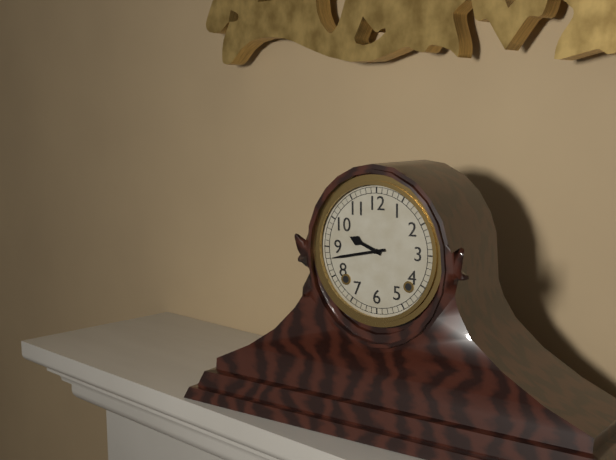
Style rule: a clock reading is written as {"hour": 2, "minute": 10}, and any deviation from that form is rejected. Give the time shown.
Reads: {"hour": 9, "minute": 43}
